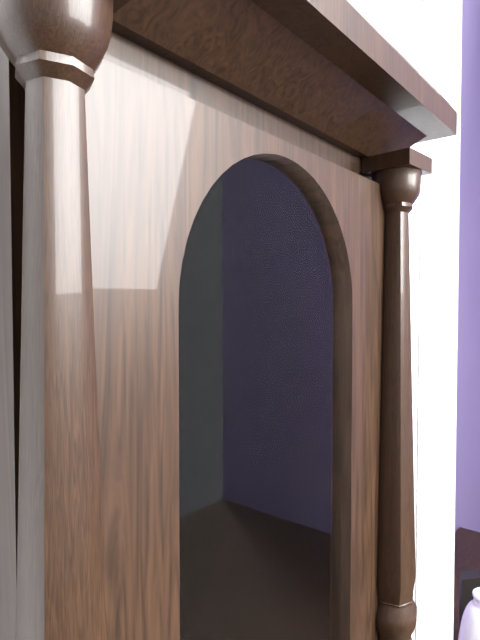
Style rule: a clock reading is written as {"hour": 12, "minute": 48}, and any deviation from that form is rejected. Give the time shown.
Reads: {"hour": 7, "minute": 21}
